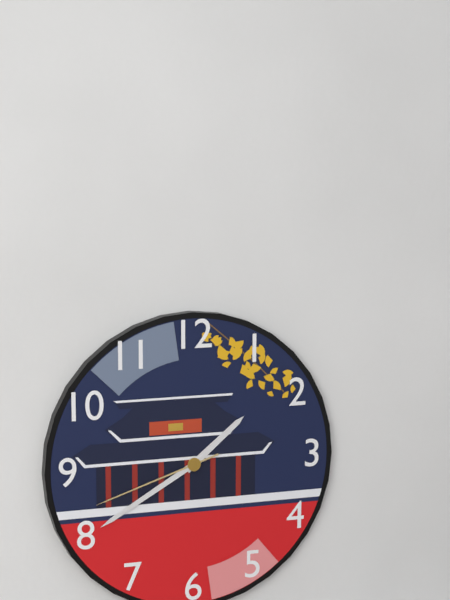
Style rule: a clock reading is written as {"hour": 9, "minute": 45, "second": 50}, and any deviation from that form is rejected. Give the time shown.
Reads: {"hour": 1, "minute": 40, "second": 42}
